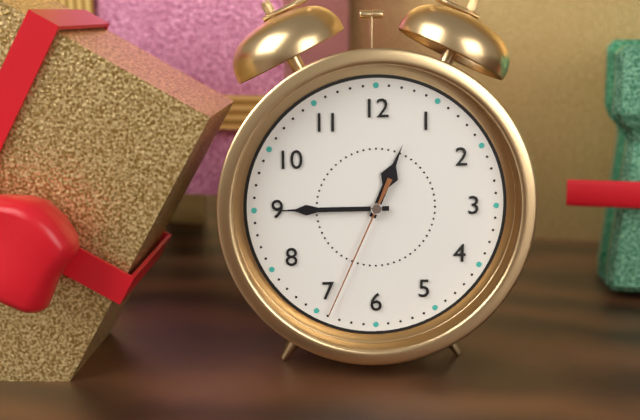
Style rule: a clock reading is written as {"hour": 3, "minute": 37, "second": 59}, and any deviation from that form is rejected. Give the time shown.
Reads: {"hour": 12, "minute": 45, "second": 34}
